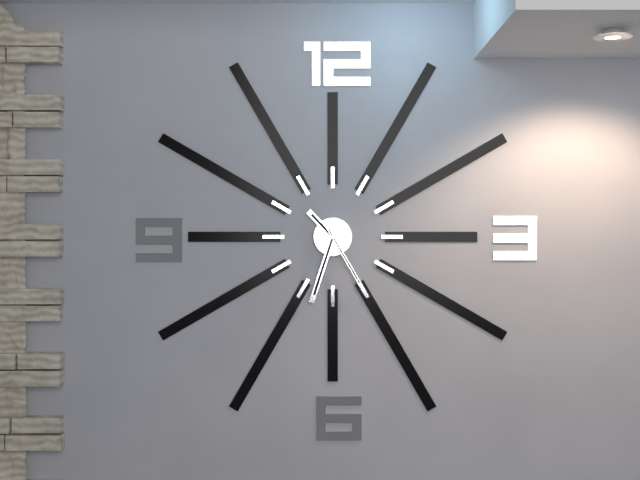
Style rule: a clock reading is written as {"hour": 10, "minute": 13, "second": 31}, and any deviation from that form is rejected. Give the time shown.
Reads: {"hour": 10, "minute": 33, "second": 25}
